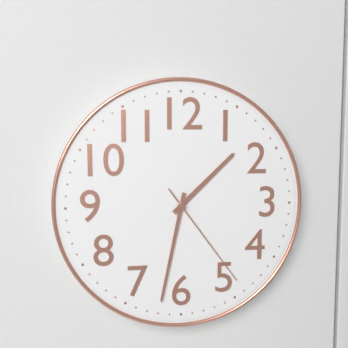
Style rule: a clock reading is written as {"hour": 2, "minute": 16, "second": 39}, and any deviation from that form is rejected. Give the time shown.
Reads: {"hour": 1, "minute": 32, "second": 24}
